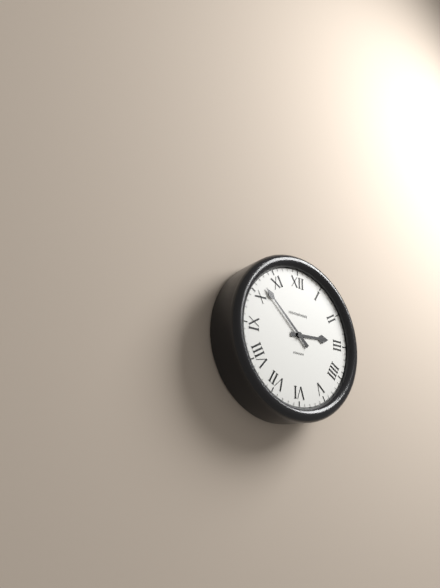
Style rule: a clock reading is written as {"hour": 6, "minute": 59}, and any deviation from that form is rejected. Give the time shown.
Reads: {"hour": 2, "minute": 52}
